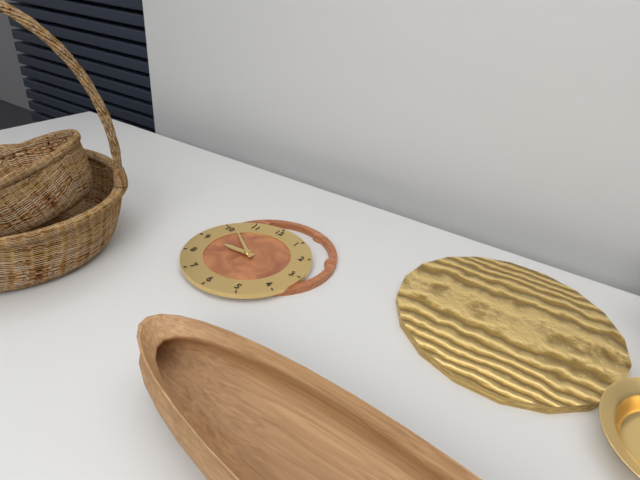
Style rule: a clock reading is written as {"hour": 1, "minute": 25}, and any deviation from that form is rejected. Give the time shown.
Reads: {"hour": 8, "minute": 51}
